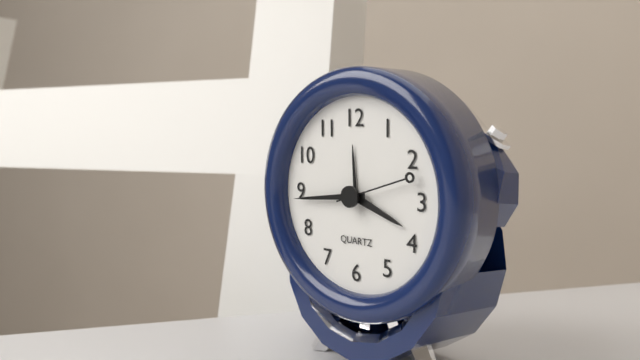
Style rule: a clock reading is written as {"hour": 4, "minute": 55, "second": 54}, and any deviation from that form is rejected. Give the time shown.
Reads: {"hour": 3, "minute": 44, "second": 12}
